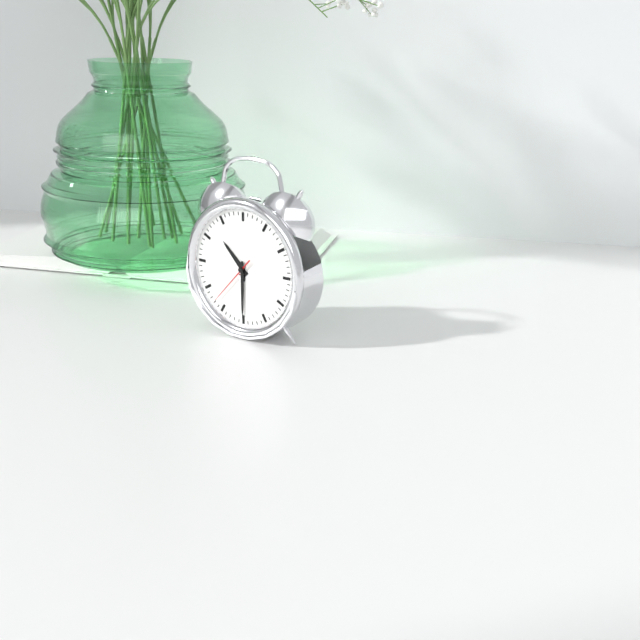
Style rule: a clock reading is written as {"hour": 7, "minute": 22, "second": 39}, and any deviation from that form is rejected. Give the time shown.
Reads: {"hour": 10, "minute": 30, "second": 37}
